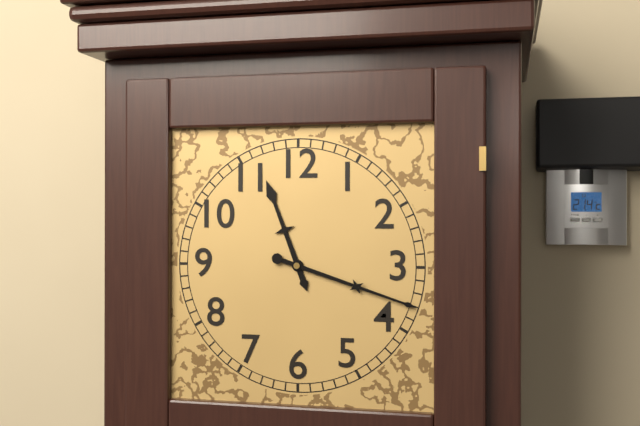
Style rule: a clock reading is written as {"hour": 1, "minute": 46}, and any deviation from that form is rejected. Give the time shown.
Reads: {"hour": 11, "minute": 18}
